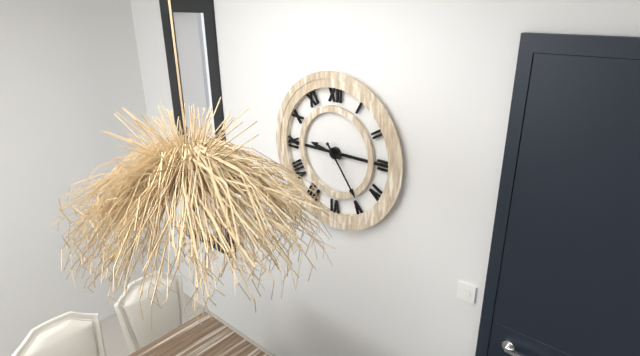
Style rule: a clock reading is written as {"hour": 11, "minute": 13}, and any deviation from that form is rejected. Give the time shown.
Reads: {"hour": 9, "minute": 24}
